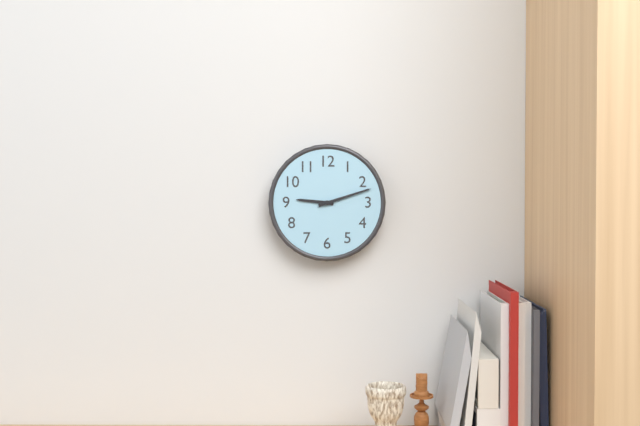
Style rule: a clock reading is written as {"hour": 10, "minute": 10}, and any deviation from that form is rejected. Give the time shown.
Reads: {"hour": 9, "minute": 12}
